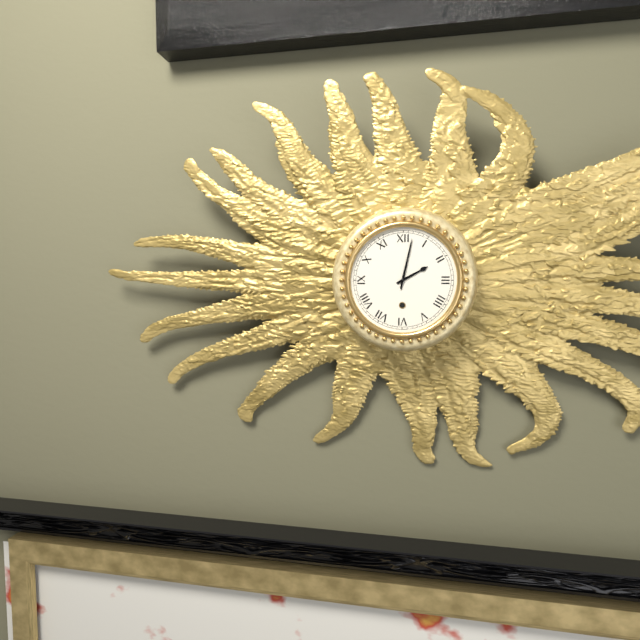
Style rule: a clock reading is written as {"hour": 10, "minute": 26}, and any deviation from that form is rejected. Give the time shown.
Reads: {"hour": 2, "minute": 2}
